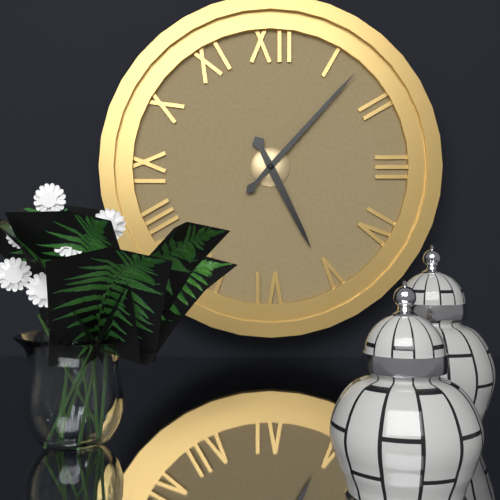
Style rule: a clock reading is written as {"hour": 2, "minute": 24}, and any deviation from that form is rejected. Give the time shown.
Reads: {"hour": 5, "minute": 7}
